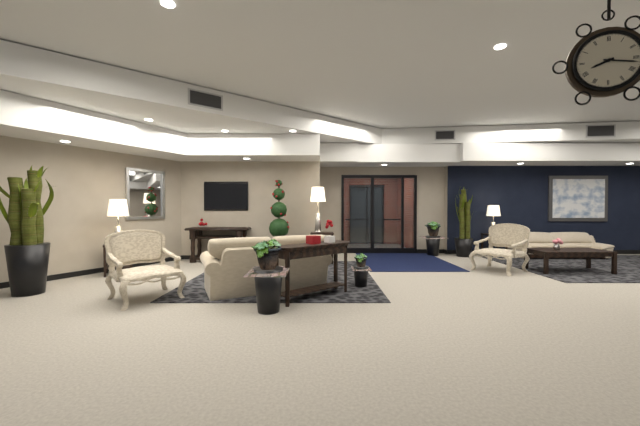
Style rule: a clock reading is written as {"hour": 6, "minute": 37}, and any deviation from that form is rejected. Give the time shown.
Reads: {"hour": 8, "minute": 17}
